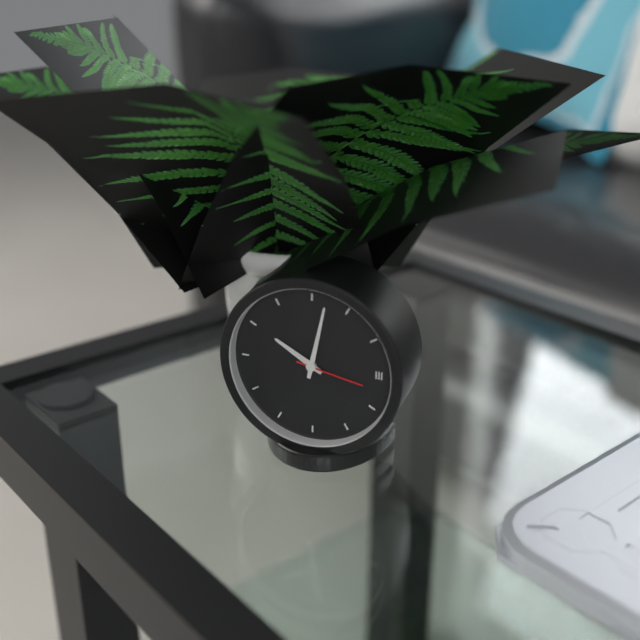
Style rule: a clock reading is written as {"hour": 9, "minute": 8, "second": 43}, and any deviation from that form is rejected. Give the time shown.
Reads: {"hour": 10, "minute": 2, "second": 17}
